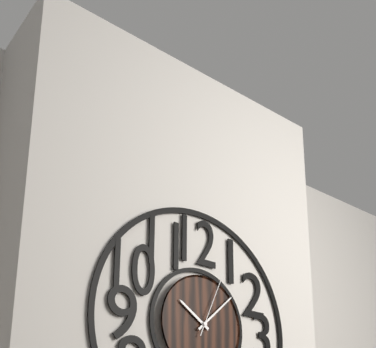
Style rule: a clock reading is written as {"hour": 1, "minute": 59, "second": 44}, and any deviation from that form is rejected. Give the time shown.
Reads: {"hour": 10, "minute": 8, "second": 4}
